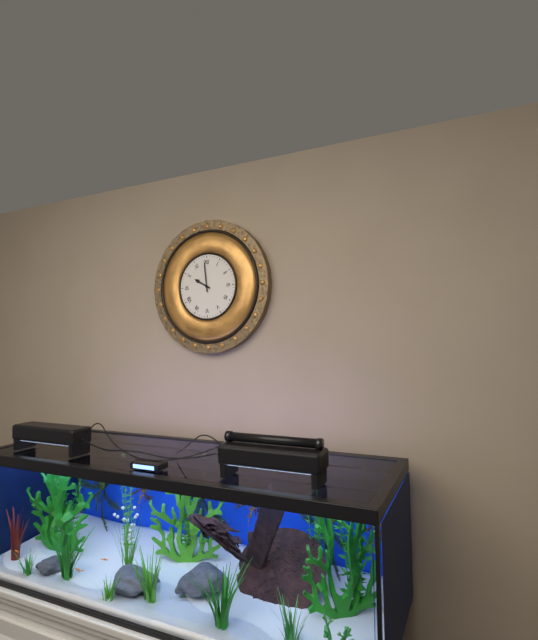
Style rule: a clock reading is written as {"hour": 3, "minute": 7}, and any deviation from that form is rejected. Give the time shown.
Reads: {"hour": 9, "minute": 59}
